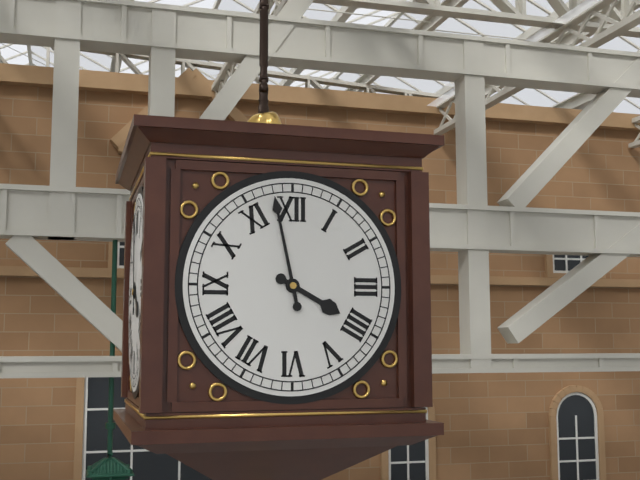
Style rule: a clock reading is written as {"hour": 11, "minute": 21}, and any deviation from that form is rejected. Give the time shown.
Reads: {"hour": 3, "minute": 58}
